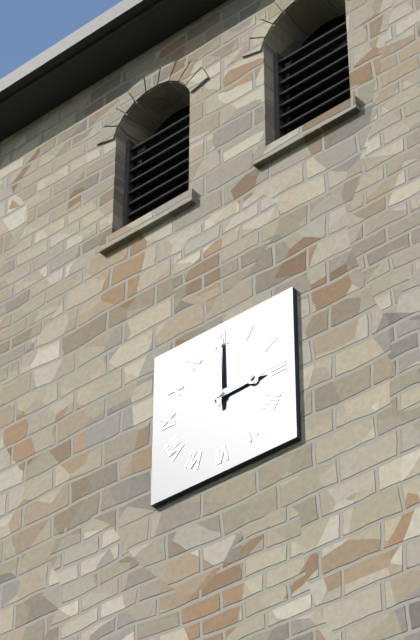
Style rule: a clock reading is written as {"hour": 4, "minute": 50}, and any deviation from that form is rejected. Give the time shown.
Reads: {"hour": 3, "minute": 0}
